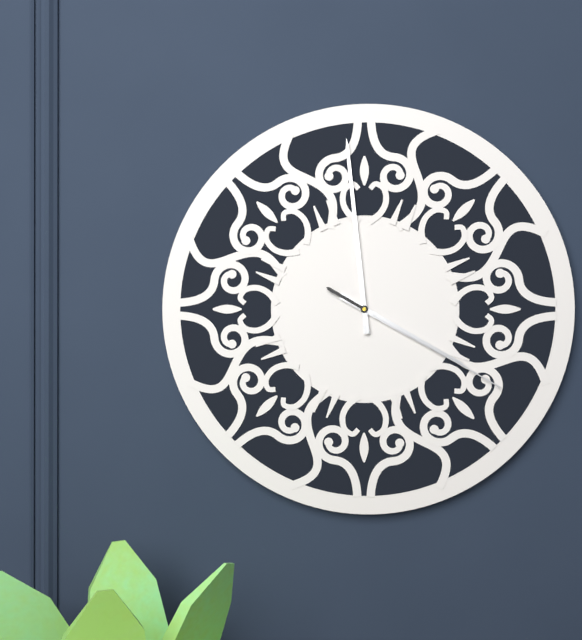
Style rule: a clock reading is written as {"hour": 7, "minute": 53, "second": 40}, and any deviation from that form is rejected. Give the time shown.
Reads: {"hour": 3, "minute": 59, "second": 20}
